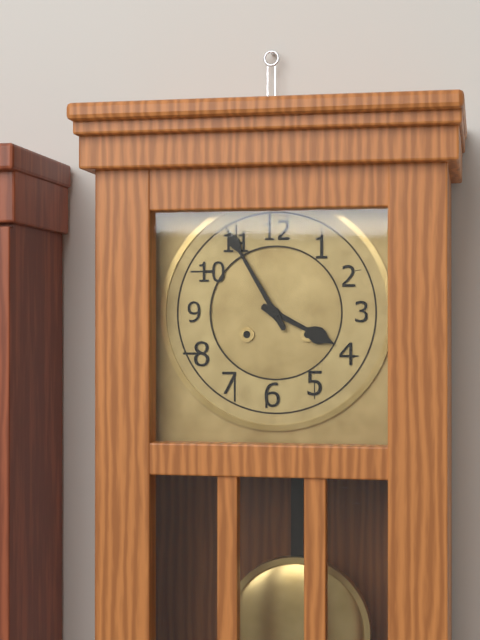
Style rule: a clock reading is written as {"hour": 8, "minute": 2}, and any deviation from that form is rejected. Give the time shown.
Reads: {"hour": 3, "minute": 55}
